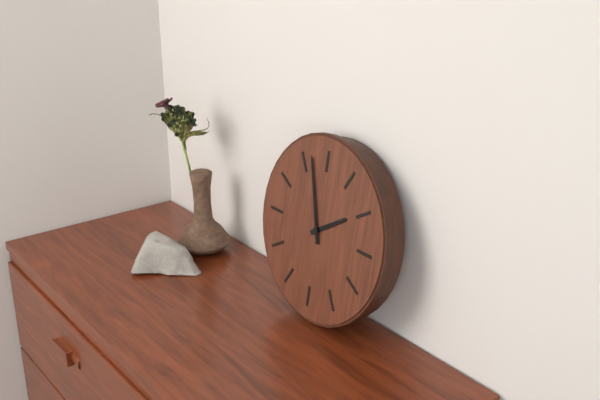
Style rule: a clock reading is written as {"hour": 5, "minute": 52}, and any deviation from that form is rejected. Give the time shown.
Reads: {"hour": 1, "minute": 57}
